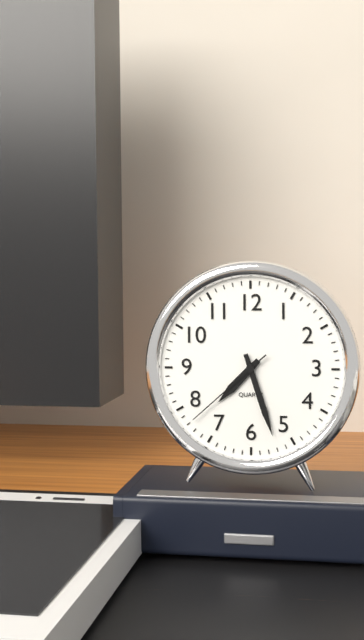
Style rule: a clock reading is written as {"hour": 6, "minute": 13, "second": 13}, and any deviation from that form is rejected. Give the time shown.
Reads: {"hour": 7, "minute": 27, "second": 38}
